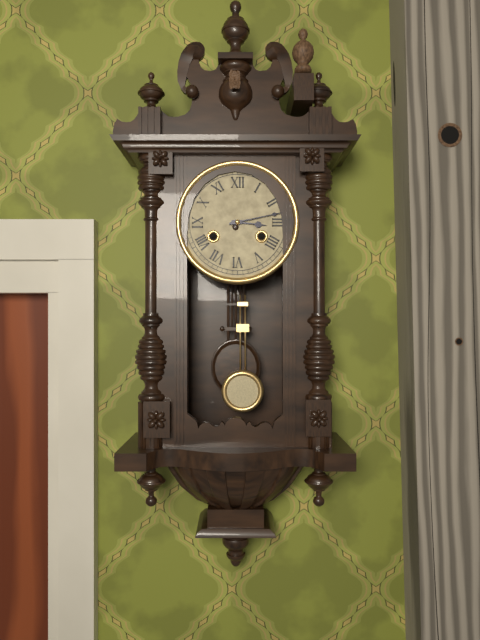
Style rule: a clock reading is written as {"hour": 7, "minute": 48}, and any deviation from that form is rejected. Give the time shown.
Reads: {"hour": 3, "minute": 13}
